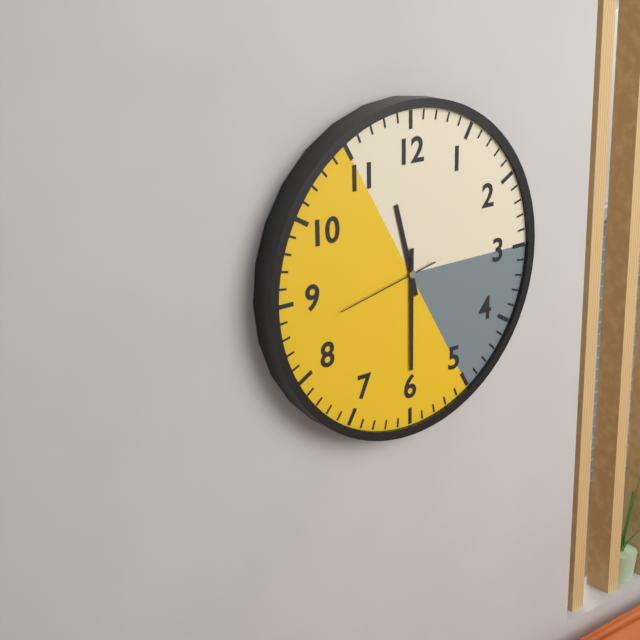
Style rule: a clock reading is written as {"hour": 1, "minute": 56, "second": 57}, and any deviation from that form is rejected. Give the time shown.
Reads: {"hour": 11, "minute": 30, "second": 43}
